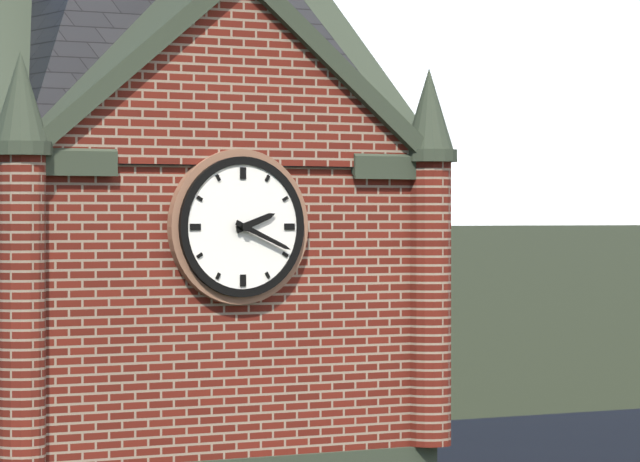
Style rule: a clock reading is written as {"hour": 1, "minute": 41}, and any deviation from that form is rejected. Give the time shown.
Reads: {"hour": 2, "minute": 19}
